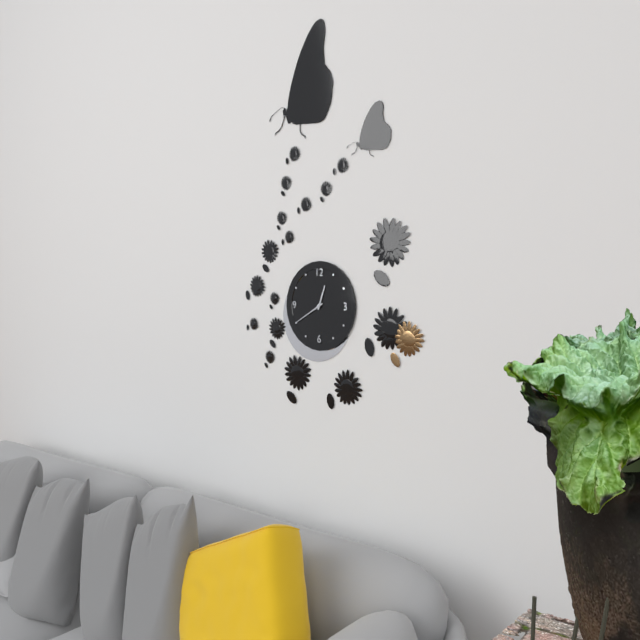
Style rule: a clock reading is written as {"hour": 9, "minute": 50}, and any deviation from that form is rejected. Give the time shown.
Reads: {"hour": 12, "minute": 40}
